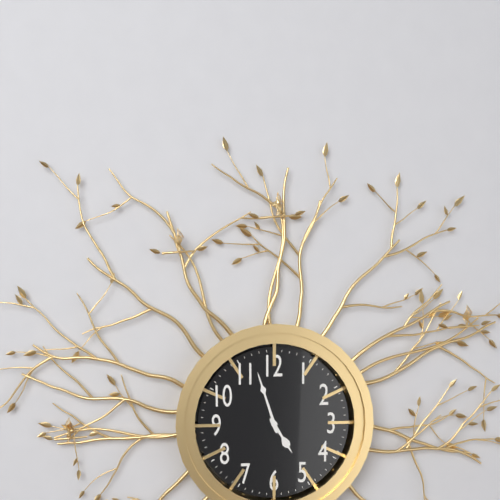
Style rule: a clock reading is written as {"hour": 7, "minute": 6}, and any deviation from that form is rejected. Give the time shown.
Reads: {"hour": 4, "minute": 57}
